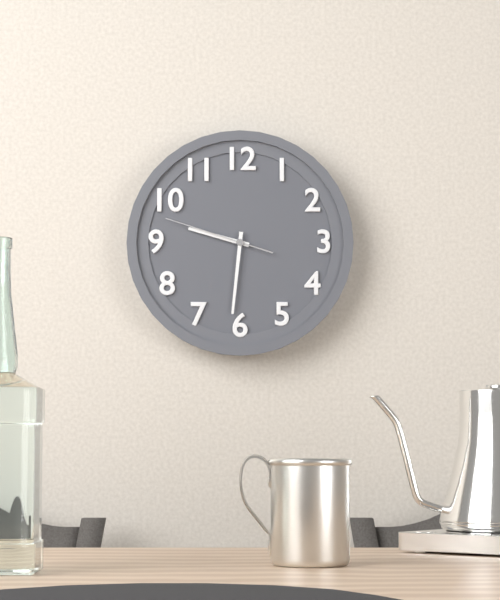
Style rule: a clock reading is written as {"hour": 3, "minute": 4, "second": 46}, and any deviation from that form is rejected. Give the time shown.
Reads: {"hour": 9, "minute": 31, "second": 48}
